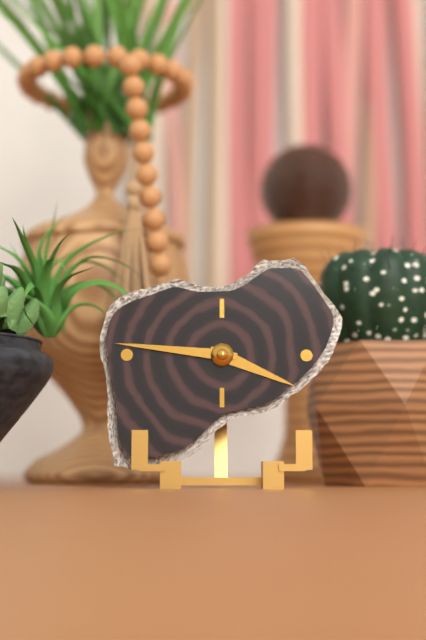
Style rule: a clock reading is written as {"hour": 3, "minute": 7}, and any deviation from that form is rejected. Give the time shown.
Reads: {"hour": 3, "minute": 46}
